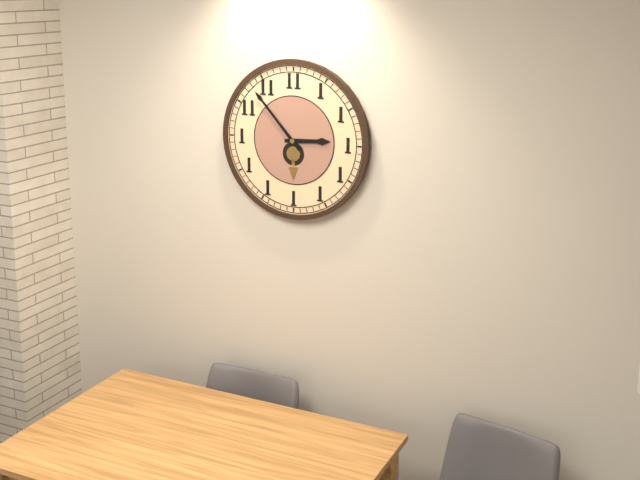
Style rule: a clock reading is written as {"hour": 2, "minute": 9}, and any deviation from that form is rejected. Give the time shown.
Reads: {"hour": 2, "minute": 53}
